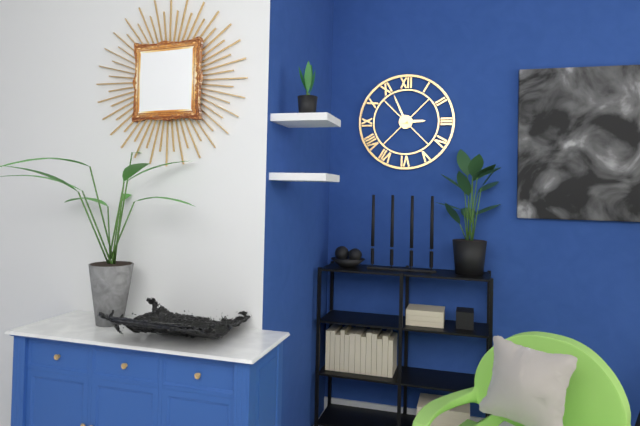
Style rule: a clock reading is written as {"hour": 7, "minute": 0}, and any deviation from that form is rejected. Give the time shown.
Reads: {"hour": 2, "minute": 56}
